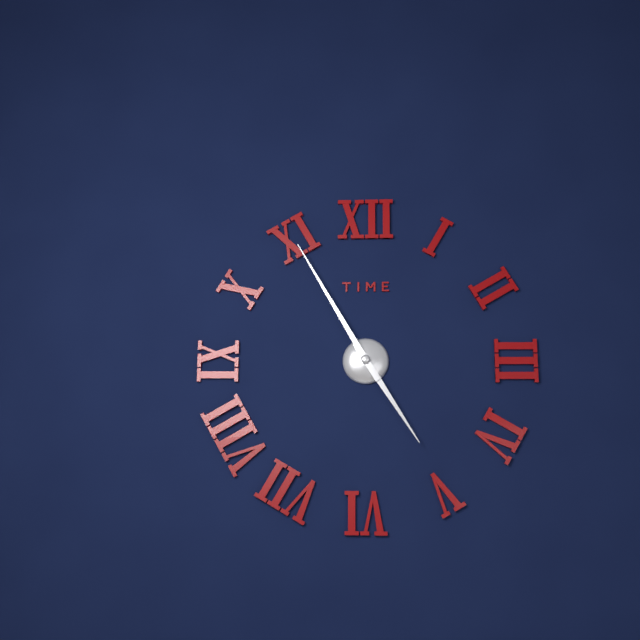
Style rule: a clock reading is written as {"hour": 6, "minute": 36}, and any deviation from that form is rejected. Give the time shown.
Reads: {"hour": 4, "minute": 55}
